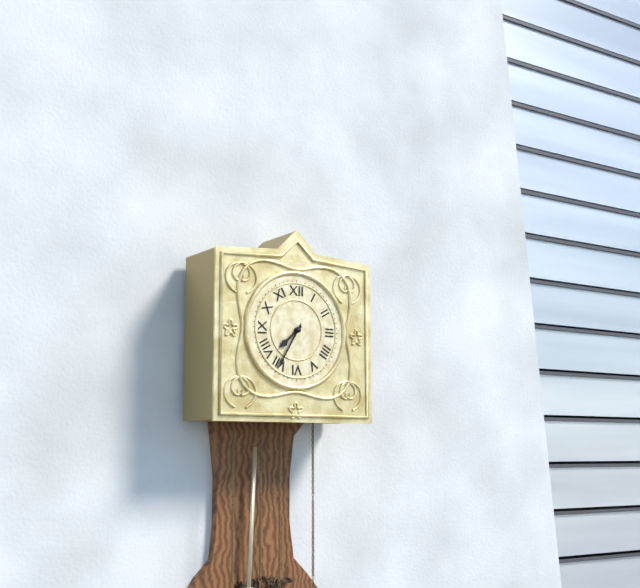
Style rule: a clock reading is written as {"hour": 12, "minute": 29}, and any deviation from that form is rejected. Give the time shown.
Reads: {"hour": 7, "minute": 35}
